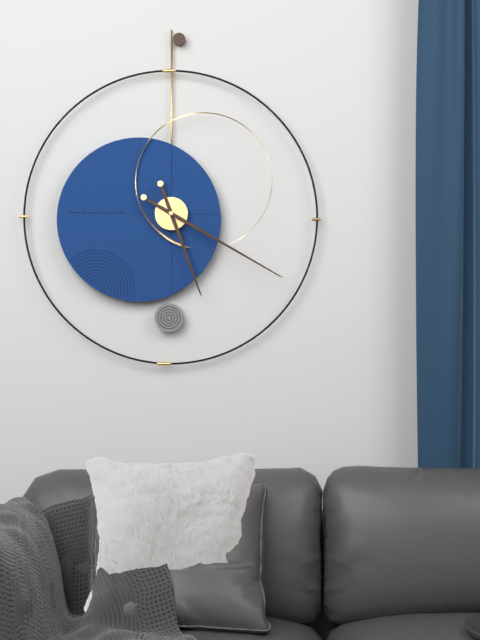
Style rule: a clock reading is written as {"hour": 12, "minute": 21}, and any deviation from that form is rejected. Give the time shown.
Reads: {"hour": 5, "minute": 20}
